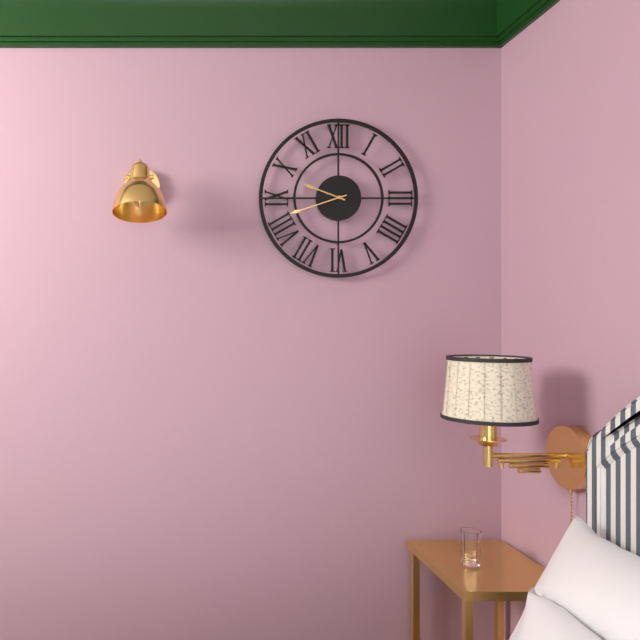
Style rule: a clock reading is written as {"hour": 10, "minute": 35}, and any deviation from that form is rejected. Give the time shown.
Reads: {"hour": 9, "minute": 42}
